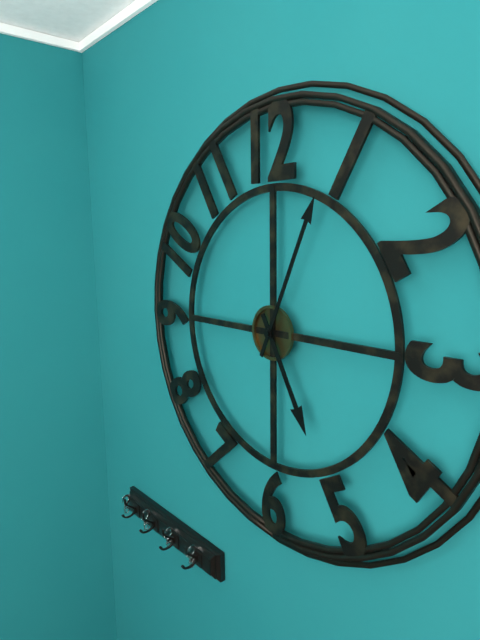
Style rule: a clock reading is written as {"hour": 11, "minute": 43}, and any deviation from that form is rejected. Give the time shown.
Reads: {"hour": 5, "minute": 4}
